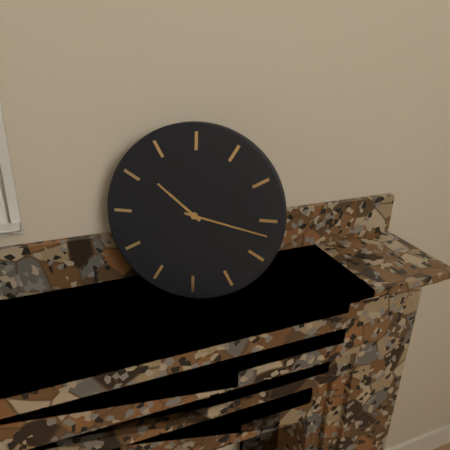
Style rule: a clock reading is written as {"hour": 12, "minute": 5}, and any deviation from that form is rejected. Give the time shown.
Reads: {"hour": 10, "minute": 17}
